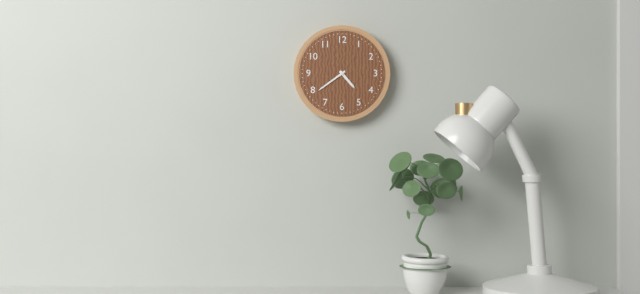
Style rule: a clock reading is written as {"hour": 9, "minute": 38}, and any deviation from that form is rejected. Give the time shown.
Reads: {"hour": 4, "minute": 39}
